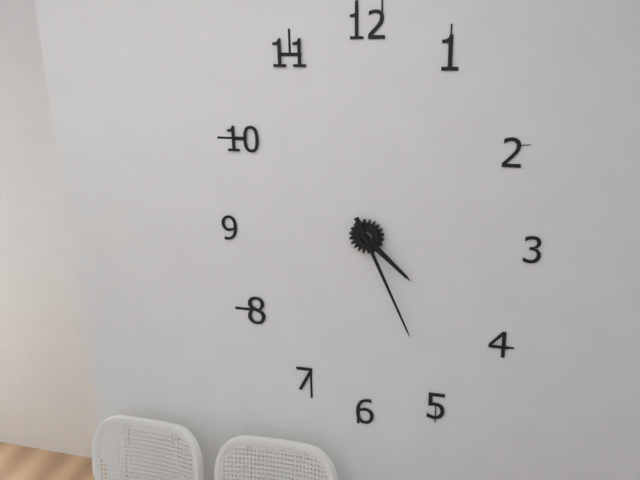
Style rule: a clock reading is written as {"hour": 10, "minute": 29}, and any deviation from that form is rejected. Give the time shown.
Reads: {"hour": 4, "minute": 26}
